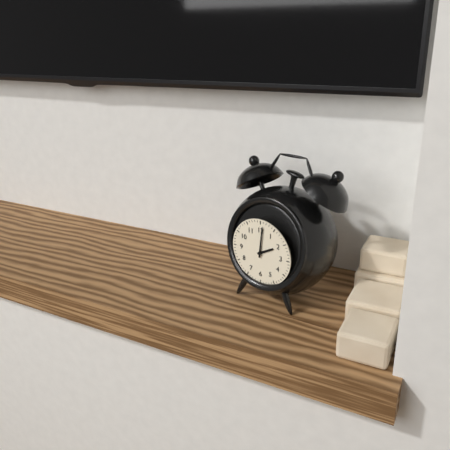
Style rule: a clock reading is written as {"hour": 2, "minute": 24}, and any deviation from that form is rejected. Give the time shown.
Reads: {"hour": 2, "minute": 1}
